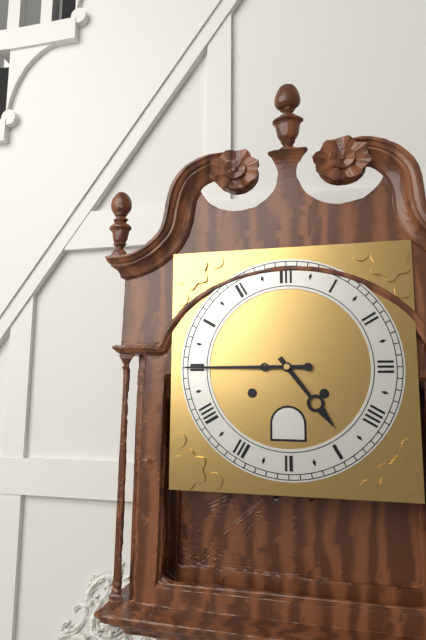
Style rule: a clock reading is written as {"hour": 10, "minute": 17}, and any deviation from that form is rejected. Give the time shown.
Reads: {"hour": 4, "minute": 45}
